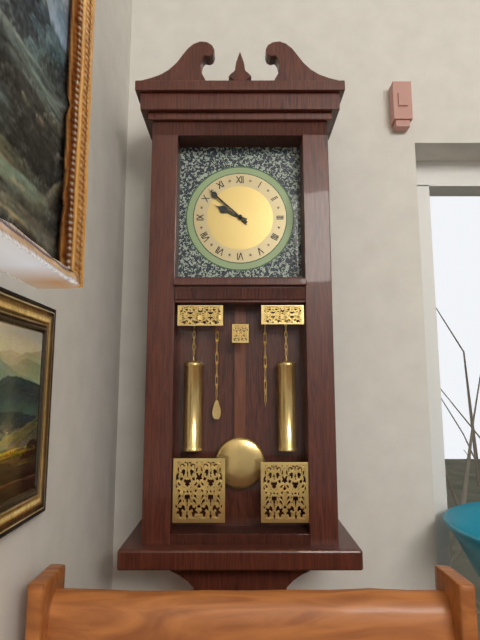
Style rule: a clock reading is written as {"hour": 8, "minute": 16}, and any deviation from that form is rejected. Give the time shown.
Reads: {"hour": 9, "minute": 52}
